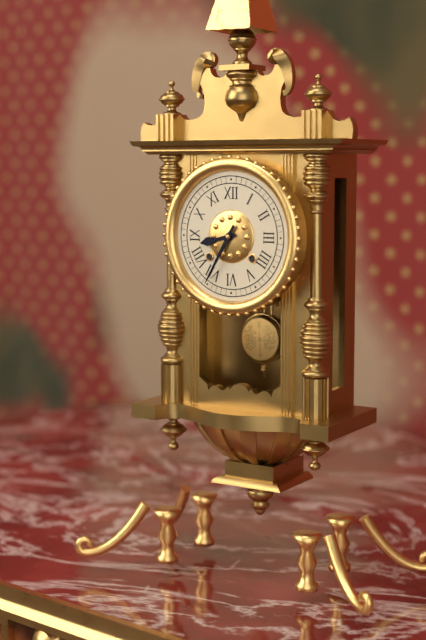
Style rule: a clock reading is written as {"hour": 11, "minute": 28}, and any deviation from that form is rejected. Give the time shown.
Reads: {"hour": 8, "minute": 35}
